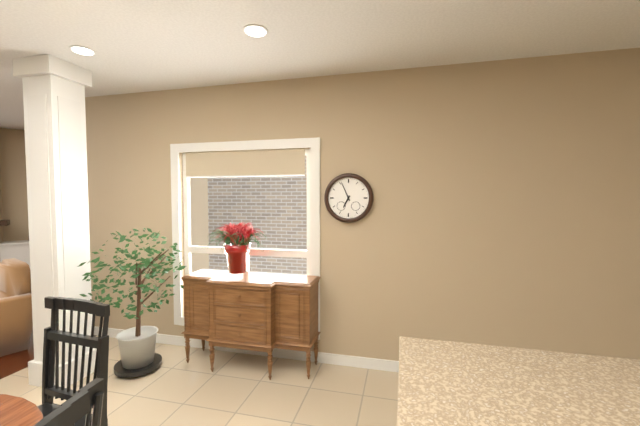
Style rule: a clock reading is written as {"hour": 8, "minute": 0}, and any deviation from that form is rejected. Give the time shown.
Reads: {"hour": 6, "minute": 56}
